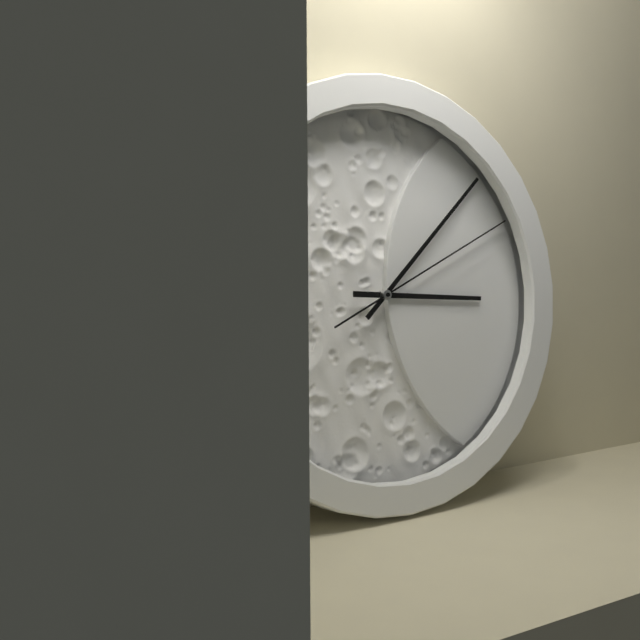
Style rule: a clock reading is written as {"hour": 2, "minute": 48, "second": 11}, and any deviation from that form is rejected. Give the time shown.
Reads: {"hour": 3, "minute": 8, "second": 11}
